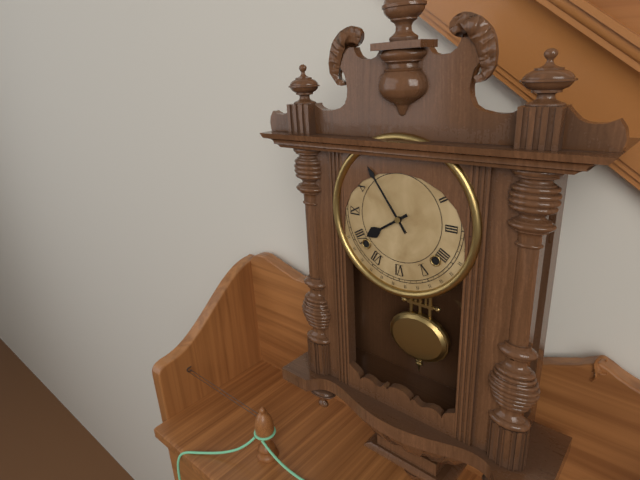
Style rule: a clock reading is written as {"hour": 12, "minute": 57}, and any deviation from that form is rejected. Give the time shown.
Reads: {"hour": 7, "minute": 54}
